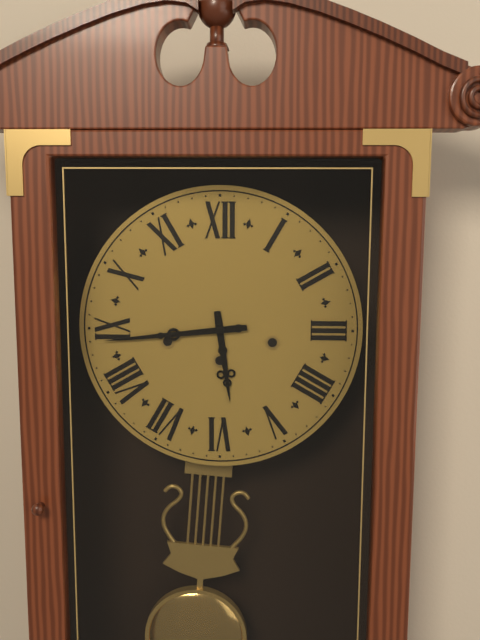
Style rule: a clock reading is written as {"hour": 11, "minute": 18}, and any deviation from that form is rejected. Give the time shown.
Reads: {"hour": 5, "minute": 44}
